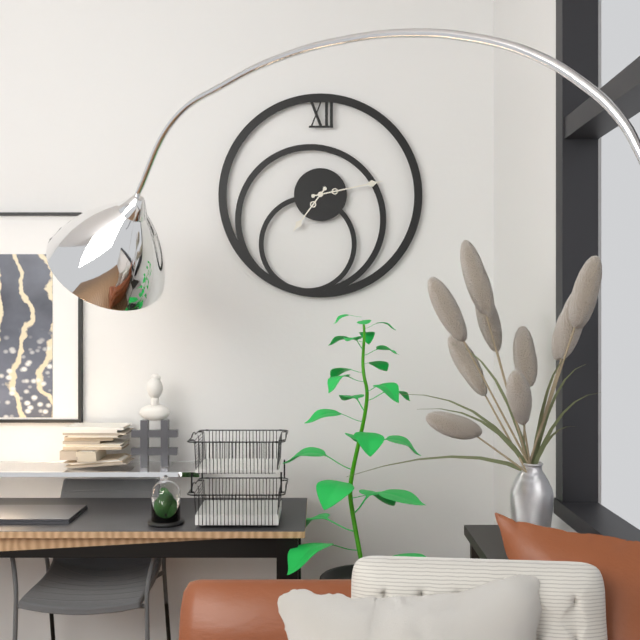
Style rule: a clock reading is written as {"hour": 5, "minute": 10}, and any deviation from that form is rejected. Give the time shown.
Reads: {"hour": 7, "minute": 13}
